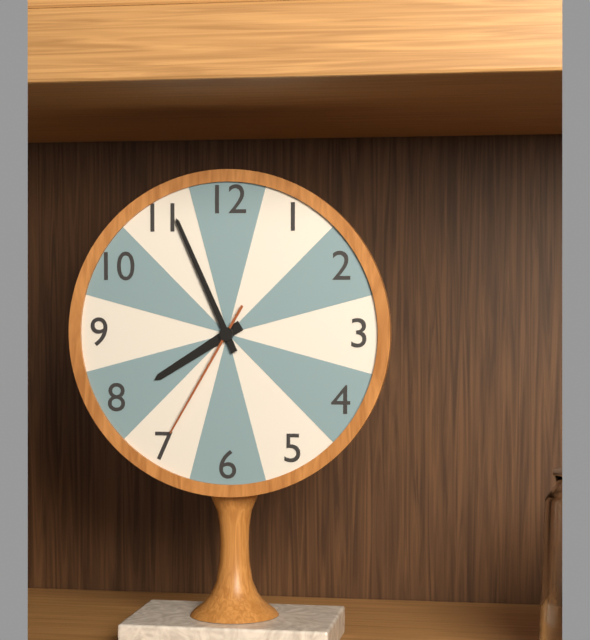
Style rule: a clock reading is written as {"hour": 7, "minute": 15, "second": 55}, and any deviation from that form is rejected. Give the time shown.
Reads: {"hour": 7, "minute": 56, "second": 35}
